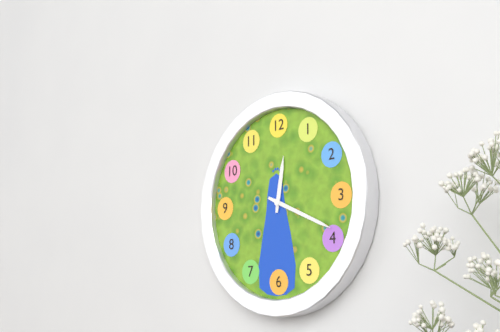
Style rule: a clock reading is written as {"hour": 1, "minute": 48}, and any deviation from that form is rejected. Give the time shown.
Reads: {"hour": 12, "minute": 19}
